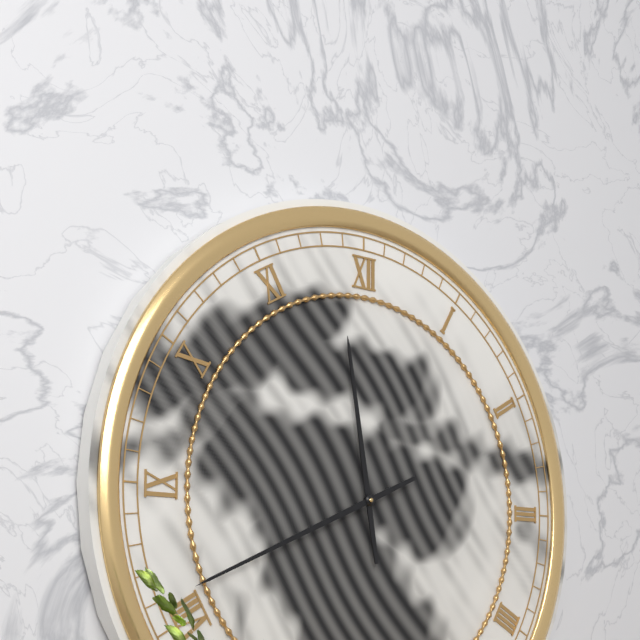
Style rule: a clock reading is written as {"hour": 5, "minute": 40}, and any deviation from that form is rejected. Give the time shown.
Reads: {"hour": 11, "minute": 41}
